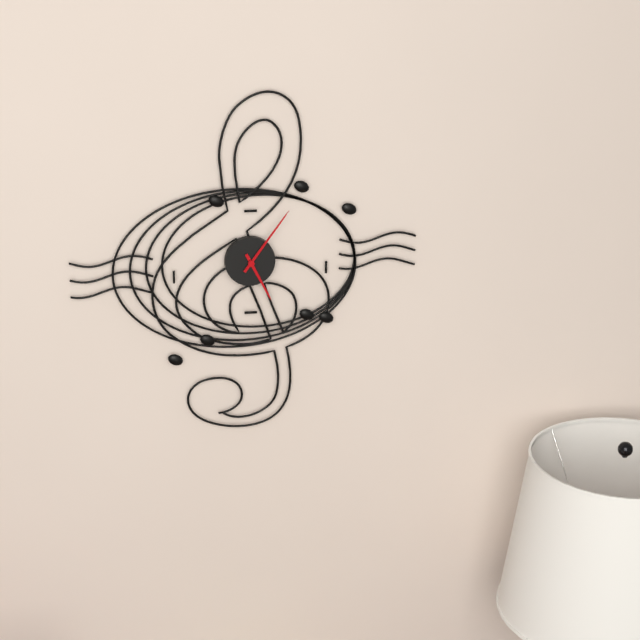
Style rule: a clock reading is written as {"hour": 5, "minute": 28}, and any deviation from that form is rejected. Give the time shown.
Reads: {"hour": 5, "minute": 6}
